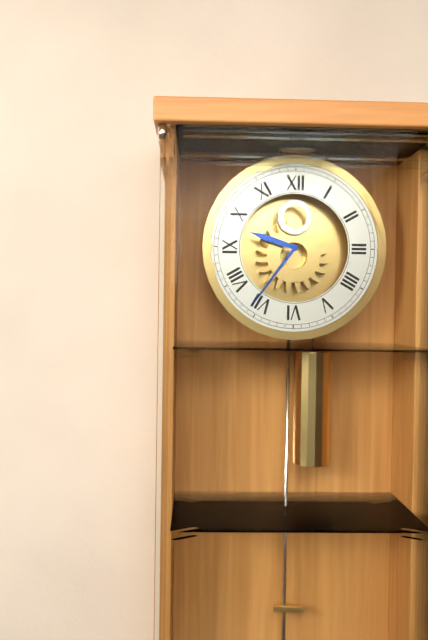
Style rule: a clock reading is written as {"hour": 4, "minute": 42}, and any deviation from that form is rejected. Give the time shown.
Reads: {"hour": 9, "minute": 36}
